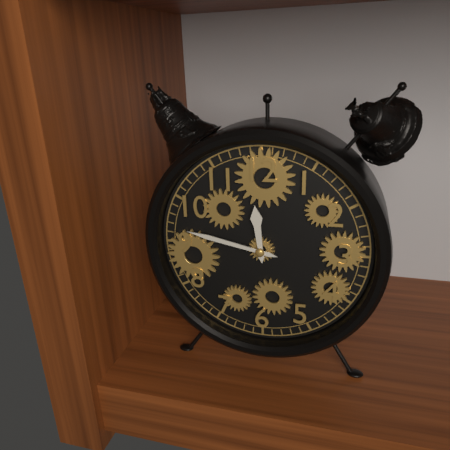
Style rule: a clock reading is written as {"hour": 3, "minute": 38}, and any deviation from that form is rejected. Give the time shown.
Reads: {"hour": 11, "minute": 47}
